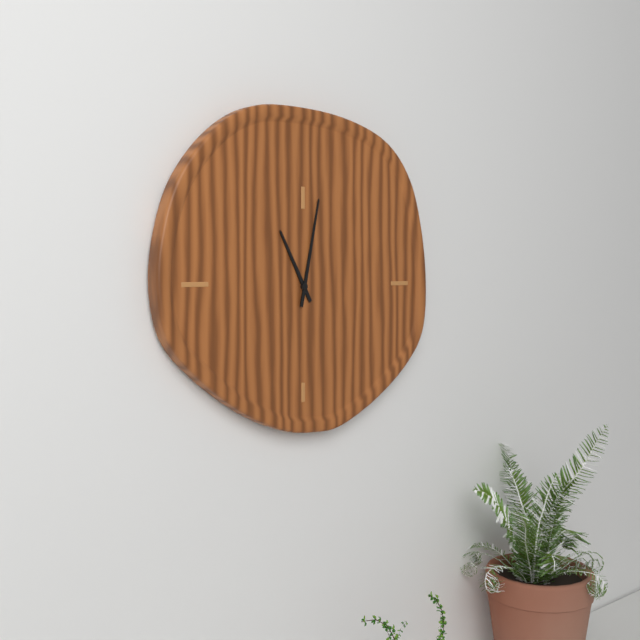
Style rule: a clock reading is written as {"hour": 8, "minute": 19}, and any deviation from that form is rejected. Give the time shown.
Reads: {"hour": 11, "minute": 2}
